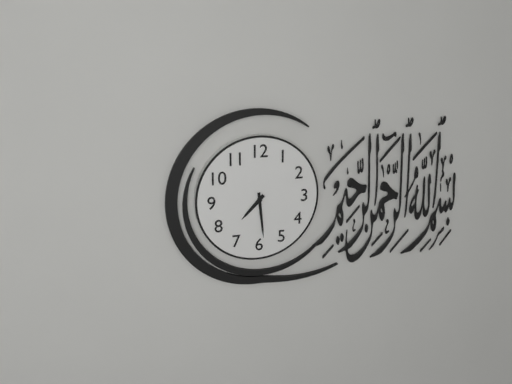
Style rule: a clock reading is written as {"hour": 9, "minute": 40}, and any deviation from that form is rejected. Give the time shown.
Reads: {"hour": 7, "minute": 29}
